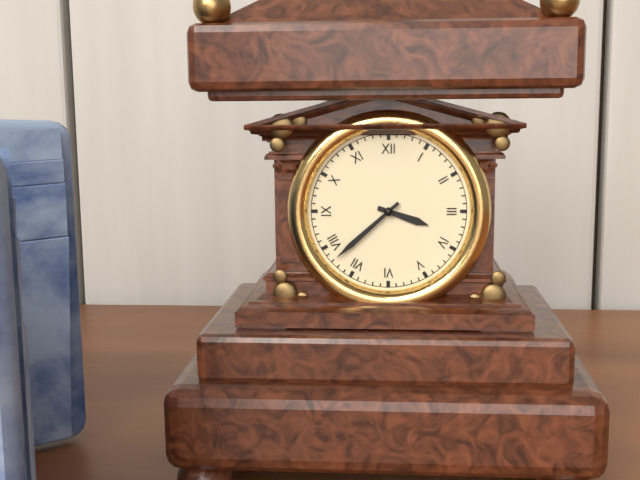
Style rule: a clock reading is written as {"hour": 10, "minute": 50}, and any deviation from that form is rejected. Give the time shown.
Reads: {"hour": 3, "minute": 38}
